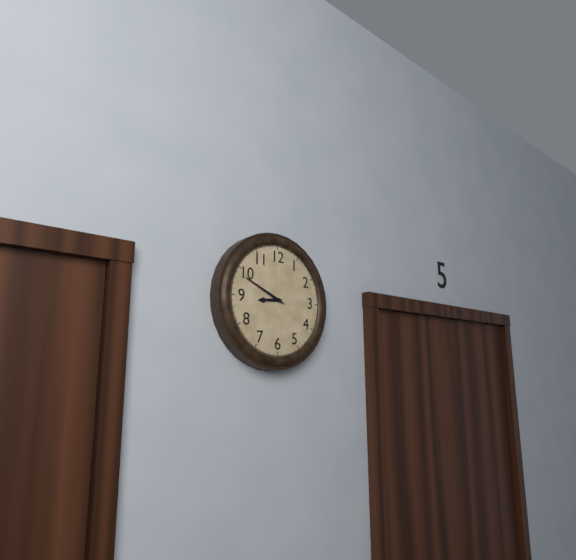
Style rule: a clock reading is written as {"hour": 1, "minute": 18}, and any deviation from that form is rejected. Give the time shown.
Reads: {"hour": 8, "minute": 49}
